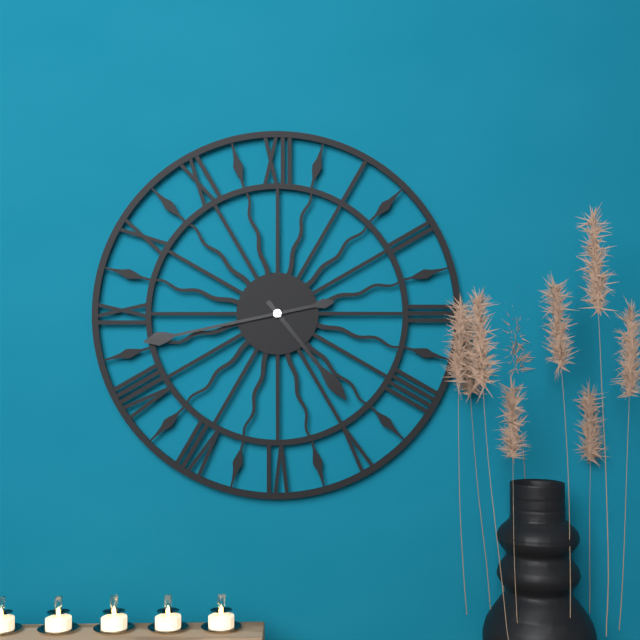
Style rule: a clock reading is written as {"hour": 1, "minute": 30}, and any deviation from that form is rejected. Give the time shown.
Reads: {"hour": 4, "minute": 43}
